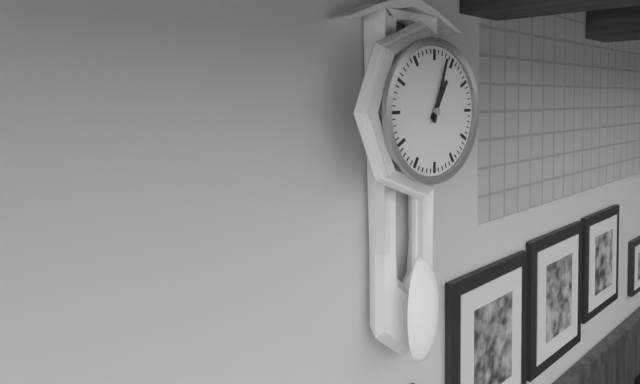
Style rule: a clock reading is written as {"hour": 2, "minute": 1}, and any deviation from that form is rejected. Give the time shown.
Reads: {"hour": 1, "minute": 3}
